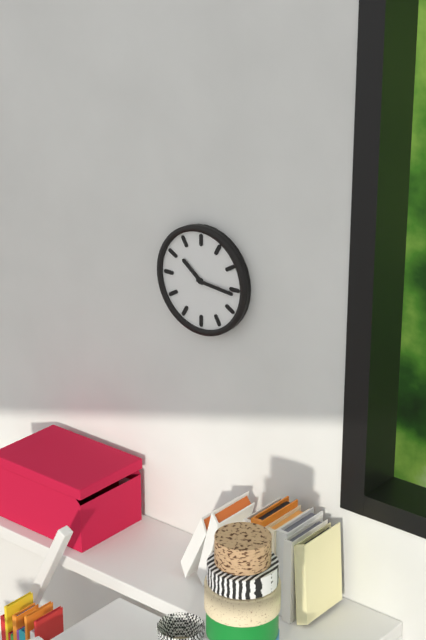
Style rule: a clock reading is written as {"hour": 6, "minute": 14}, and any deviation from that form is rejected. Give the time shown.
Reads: {"hour": 10, "minute": 16}
